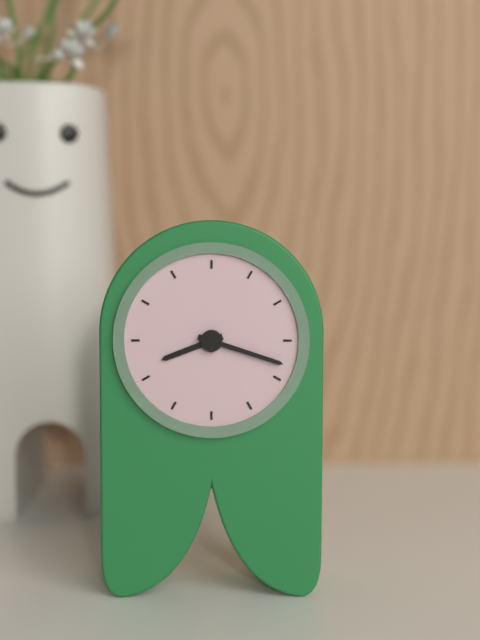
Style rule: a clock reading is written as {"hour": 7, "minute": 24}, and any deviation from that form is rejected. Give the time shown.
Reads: {"hour": 8, "minute": 18}
